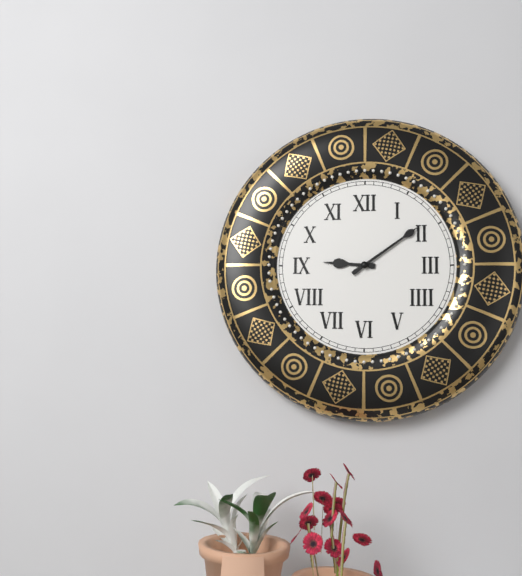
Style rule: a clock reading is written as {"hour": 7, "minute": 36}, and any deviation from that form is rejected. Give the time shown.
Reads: {"hour": 9, "minute": 9}
